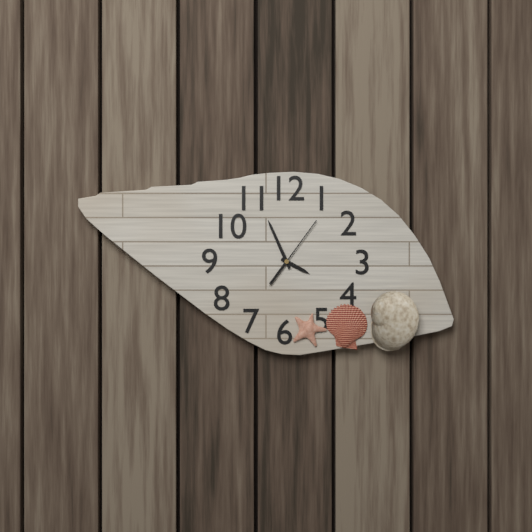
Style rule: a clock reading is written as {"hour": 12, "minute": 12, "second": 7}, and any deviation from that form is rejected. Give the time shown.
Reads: {"hour": 3, "minute": 56, "second": 6}
